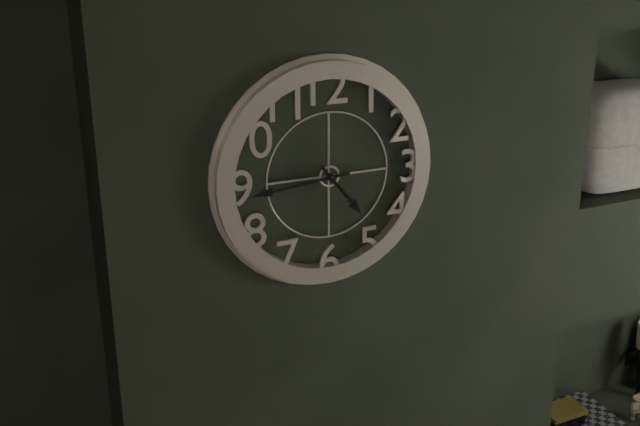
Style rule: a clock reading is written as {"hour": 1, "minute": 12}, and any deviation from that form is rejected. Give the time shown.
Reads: {"hour": 4, "minute": 44}
